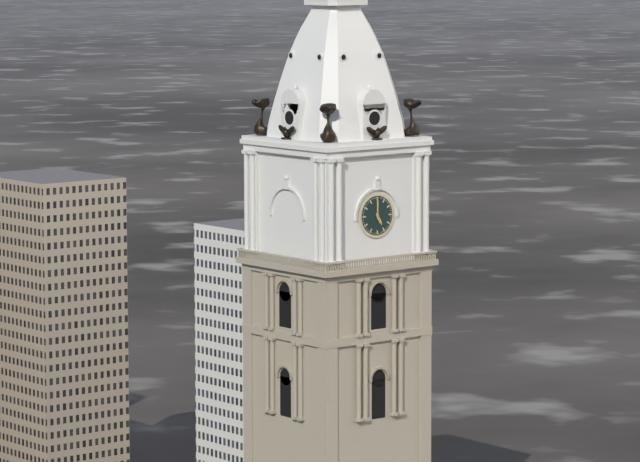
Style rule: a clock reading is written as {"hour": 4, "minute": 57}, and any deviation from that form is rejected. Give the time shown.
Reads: {"hour": 5, "minute": 0}
